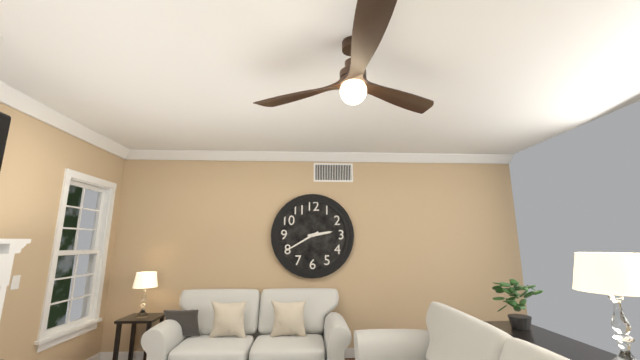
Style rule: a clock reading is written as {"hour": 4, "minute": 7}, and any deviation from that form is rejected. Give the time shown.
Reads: {"hour": 2, "minute": 40}
